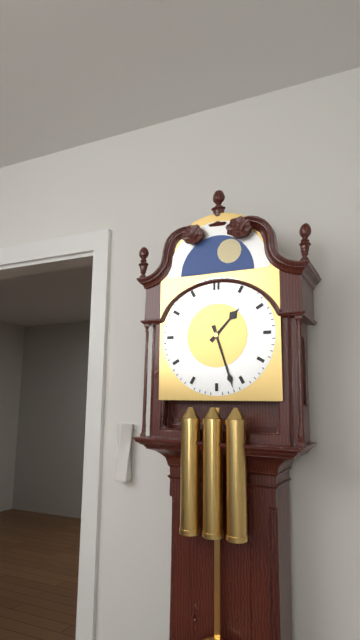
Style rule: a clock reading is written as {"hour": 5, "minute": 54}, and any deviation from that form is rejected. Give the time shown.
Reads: {"hour": 1, "minute": 27}
